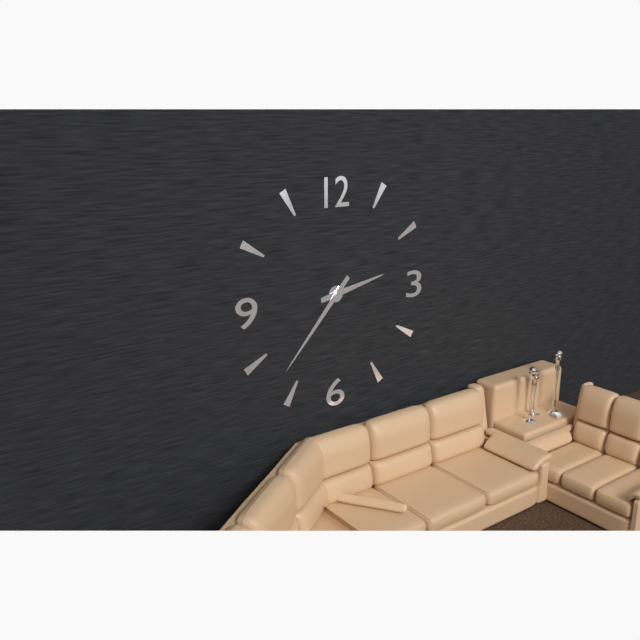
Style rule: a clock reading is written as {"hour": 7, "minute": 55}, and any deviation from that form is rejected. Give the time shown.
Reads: {"hour": 2, "minute": 37}
